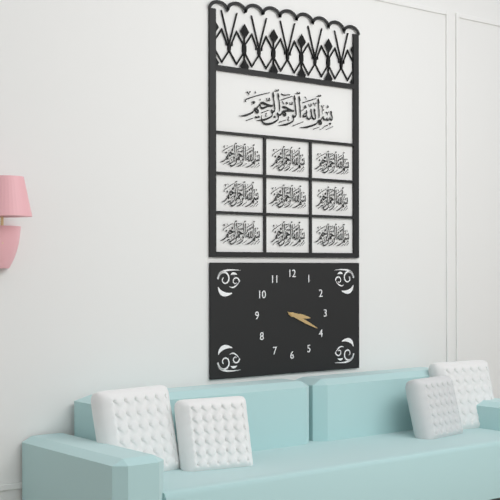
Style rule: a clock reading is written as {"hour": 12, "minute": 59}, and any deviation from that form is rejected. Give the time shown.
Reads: {"hour": 3, "minute": 19}
